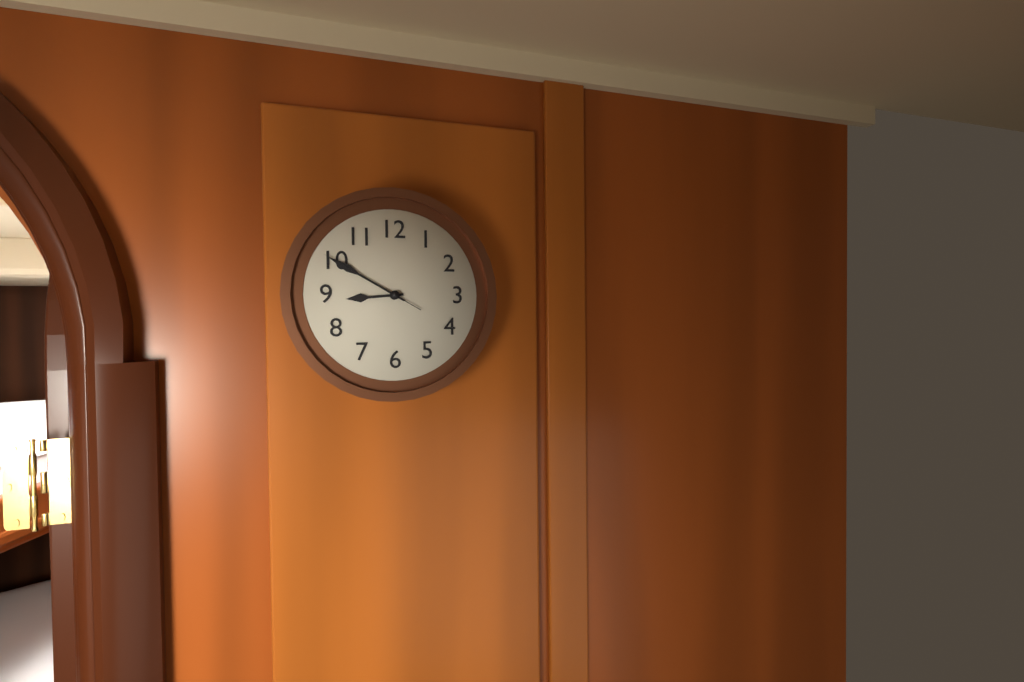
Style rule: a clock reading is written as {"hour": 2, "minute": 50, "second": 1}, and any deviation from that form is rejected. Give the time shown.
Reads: {"hour": 8, "minute": 50, "second": 50}
